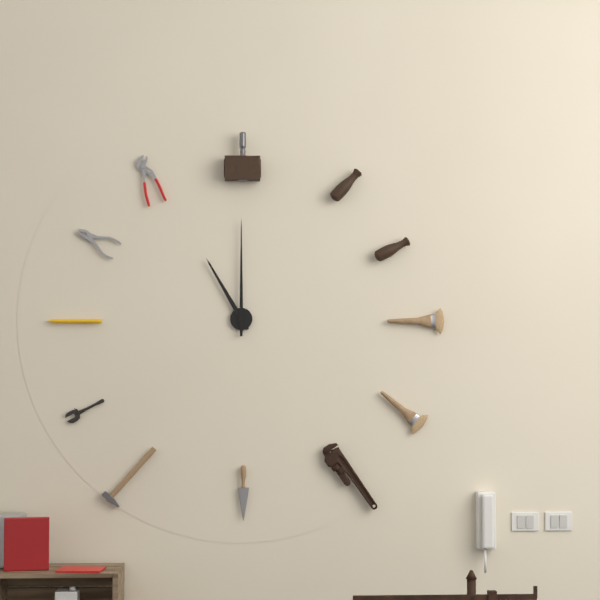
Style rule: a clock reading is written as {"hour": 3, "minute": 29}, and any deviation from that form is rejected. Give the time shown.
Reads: {"hour": 11, "minute": 0}
